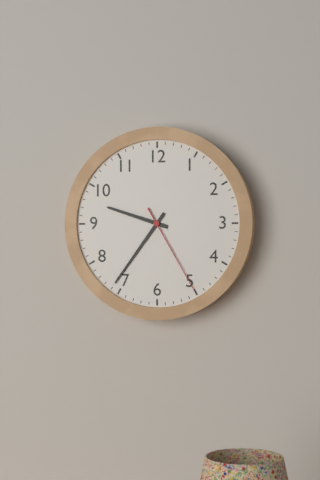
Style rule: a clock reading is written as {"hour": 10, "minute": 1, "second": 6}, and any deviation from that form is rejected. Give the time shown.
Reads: {"hour": 9, "minute": 36, "second": 25}
